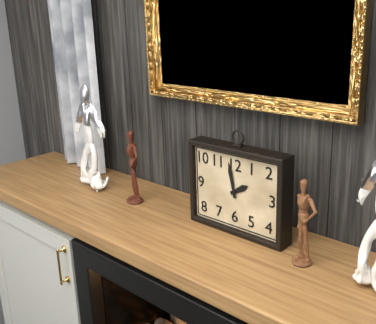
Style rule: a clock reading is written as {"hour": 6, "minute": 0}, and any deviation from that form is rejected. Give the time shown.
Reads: {"hour": 1, "minute": 58}
